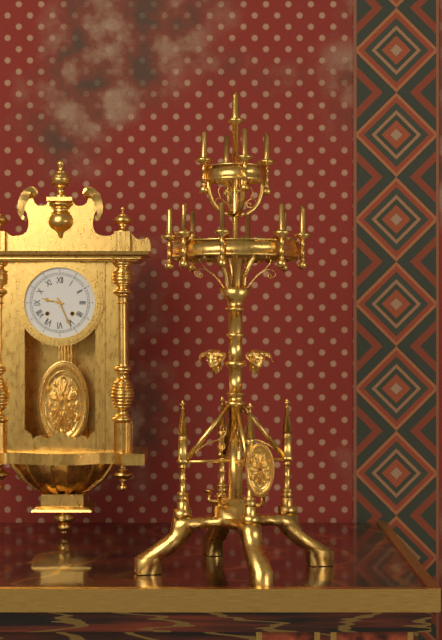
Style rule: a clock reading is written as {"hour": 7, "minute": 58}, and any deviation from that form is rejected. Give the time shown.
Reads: {"hour": 9, "minute": 26}
